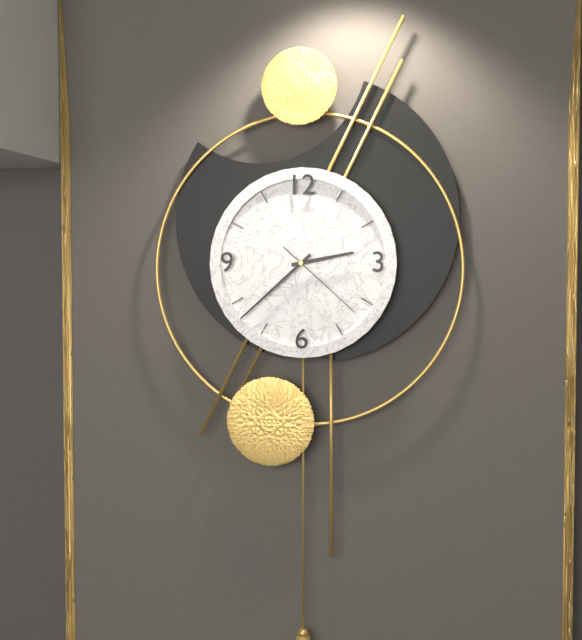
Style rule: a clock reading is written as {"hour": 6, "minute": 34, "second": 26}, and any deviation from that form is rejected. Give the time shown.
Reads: {"hour": 2, "minute": 38, "second": 22}
